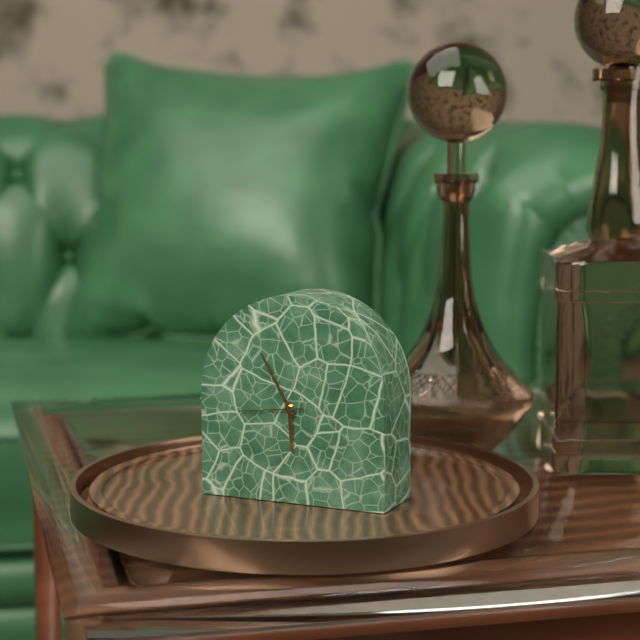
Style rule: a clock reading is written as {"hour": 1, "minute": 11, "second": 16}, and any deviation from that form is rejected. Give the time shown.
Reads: {"hour": 5, "minute": 55, "second": 44}
